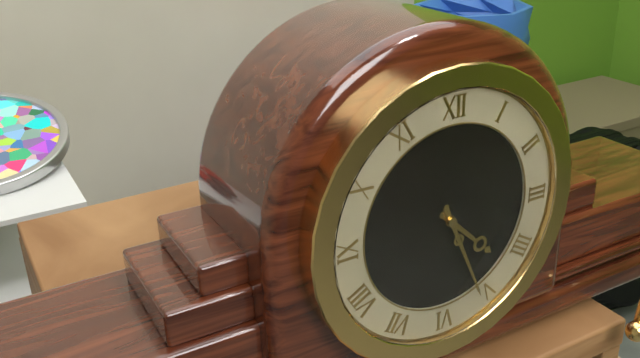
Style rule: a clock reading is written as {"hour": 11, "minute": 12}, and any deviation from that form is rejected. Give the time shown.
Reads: {"hour": 4, "minute": 26}
